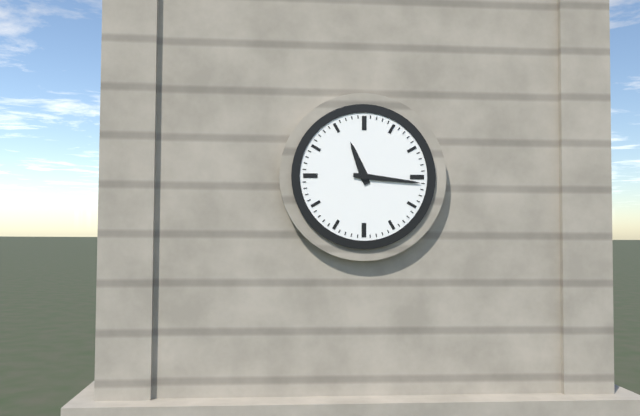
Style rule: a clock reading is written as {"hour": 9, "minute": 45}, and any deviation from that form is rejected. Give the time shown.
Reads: {"hour": 11, "minute": 16}
